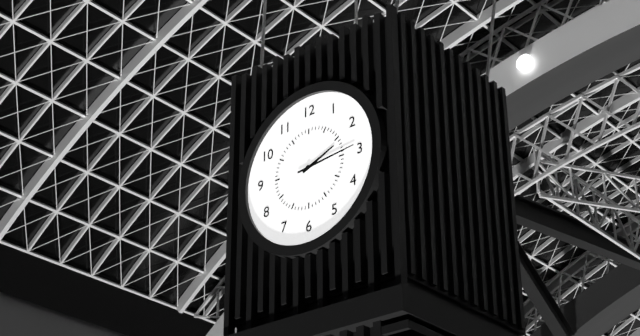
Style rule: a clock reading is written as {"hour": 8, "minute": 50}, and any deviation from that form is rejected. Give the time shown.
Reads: {"hour": 2, "minute": 14}
